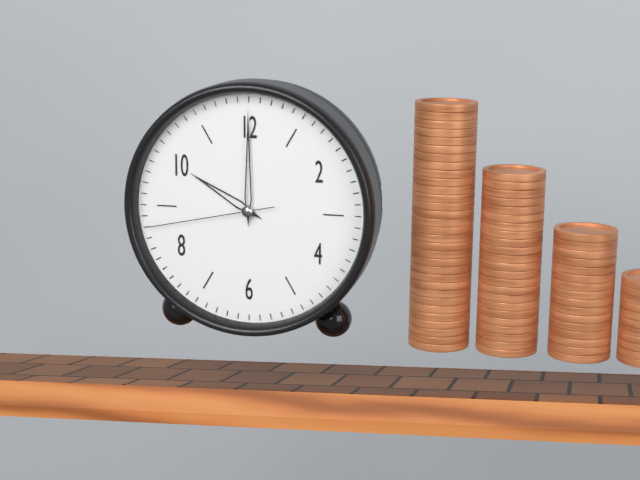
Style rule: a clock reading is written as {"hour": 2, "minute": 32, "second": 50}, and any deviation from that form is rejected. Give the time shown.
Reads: {"hour": 10, "minute": 0, "second": 43}
